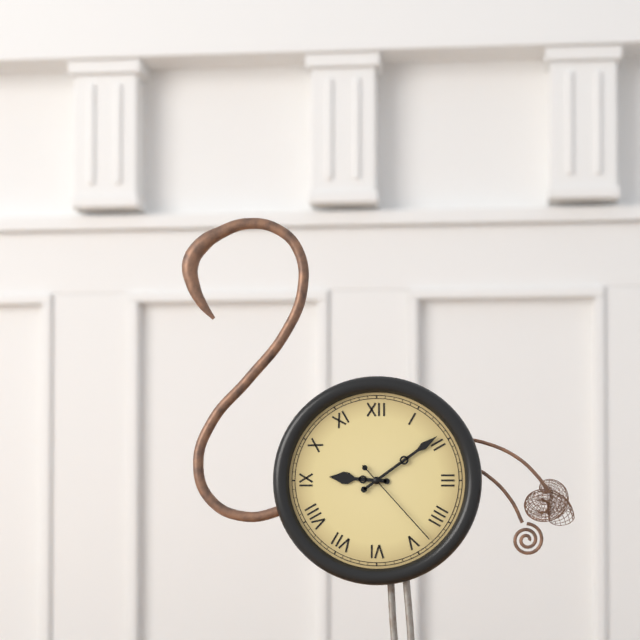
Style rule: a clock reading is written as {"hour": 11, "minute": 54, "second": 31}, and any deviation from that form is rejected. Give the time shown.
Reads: {"hour": 9, "minute": 9, "second": 23}
